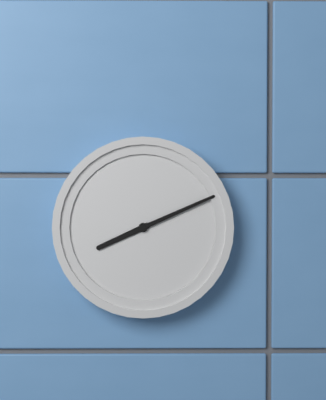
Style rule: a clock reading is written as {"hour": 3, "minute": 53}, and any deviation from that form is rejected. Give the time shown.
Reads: {"hour": 8, "minute": 11}
